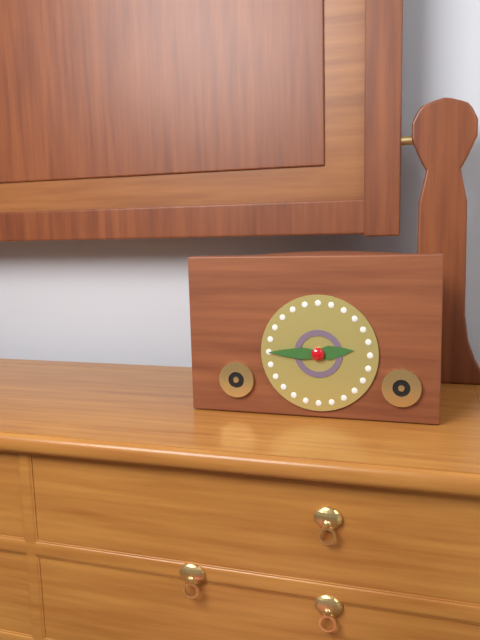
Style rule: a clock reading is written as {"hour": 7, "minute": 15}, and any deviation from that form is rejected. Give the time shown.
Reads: {"hour": 2, "minute": 45}
